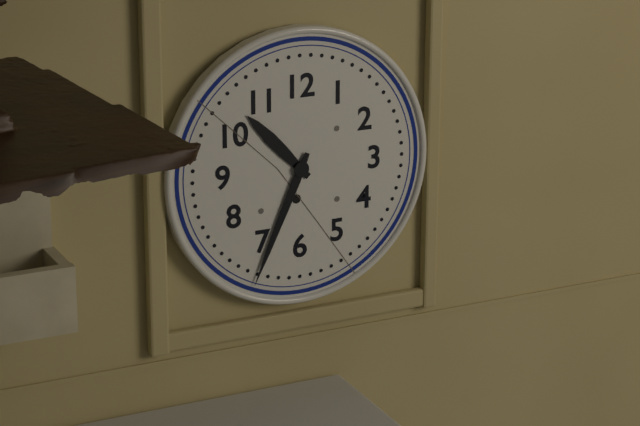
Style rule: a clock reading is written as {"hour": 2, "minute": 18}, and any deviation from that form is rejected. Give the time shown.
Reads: {"hour": 10, "minute": 34}
